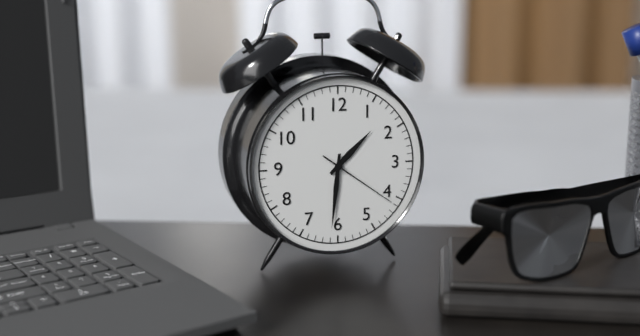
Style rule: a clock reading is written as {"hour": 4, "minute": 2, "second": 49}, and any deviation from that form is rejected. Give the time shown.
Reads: {"hour": 1, "minute": 31, "second": 21}
